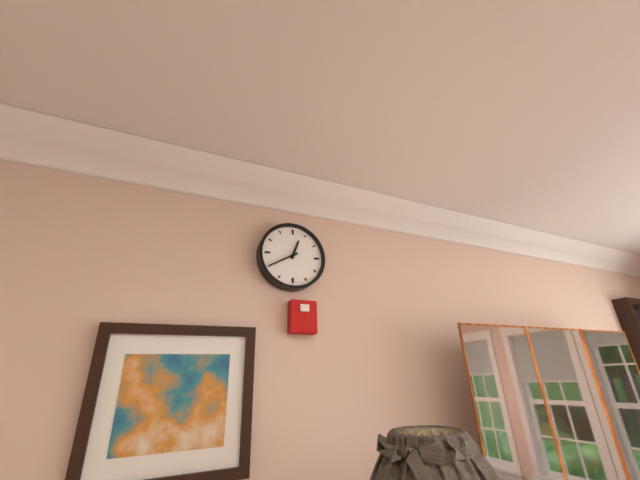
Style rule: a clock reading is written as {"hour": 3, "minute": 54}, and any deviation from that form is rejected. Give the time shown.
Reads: {"hour": 12, "minute": 40}
